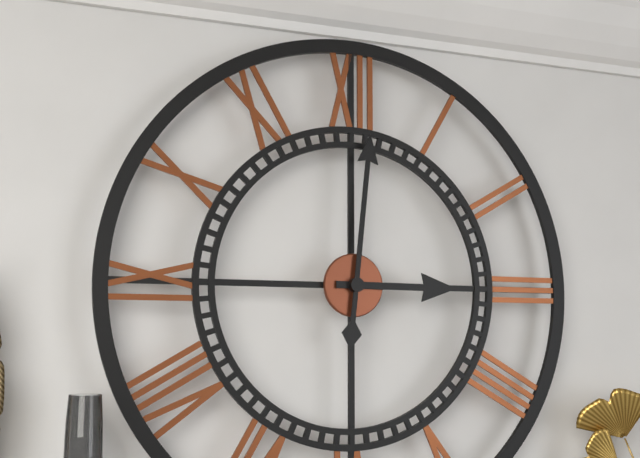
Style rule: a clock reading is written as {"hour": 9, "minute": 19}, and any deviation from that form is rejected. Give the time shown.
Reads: {"hour": 3, "minute": 1}
